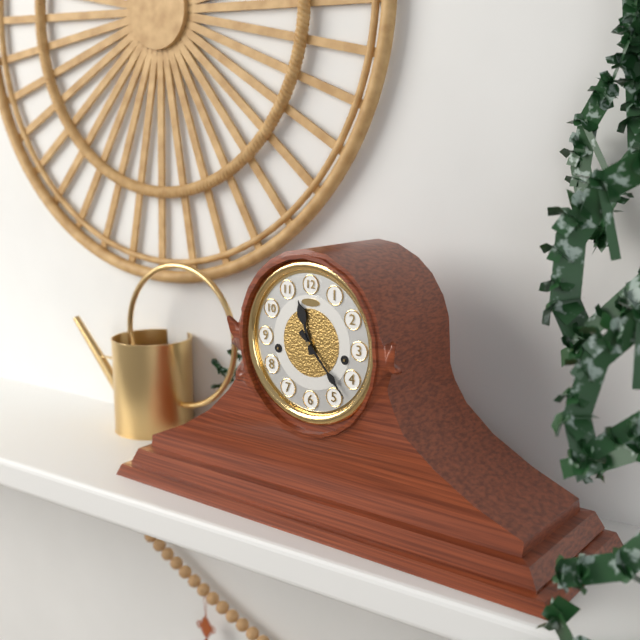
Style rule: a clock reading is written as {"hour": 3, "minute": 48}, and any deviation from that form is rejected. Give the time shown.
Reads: {"hour": 11, "minute": 23}
